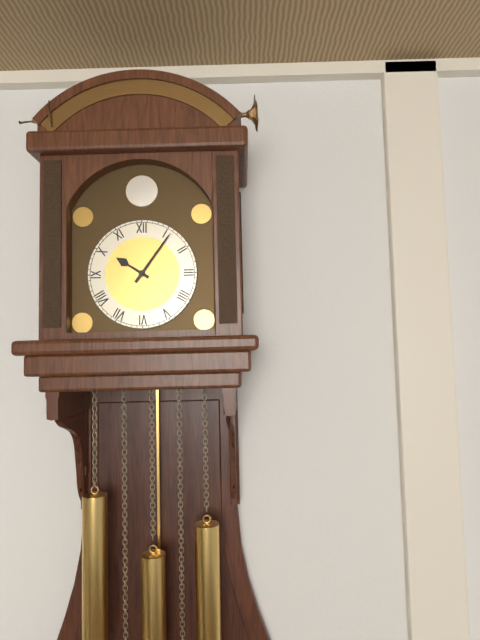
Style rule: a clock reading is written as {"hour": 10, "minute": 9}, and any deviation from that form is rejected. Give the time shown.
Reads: {"hour": 10, "minute": 6}
